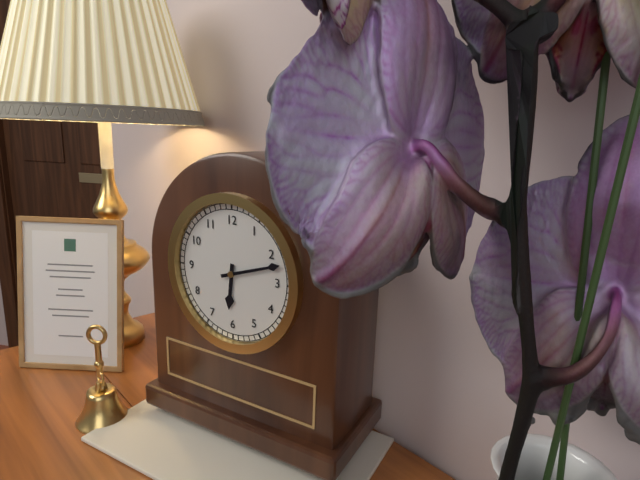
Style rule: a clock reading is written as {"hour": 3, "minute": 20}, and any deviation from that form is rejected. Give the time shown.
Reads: {"hour": 6, "minute": 12}
